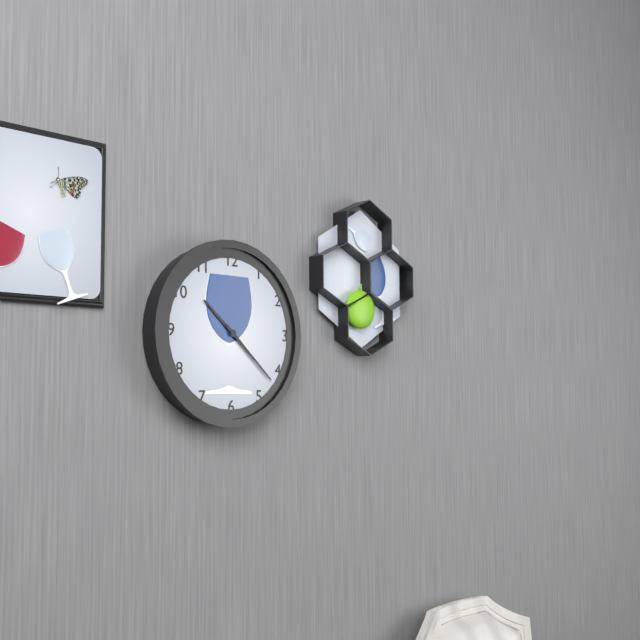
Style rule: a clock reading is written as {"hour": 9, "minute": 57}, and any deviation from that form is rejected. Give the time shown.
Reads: {"hour": 10, "minute": 22}
